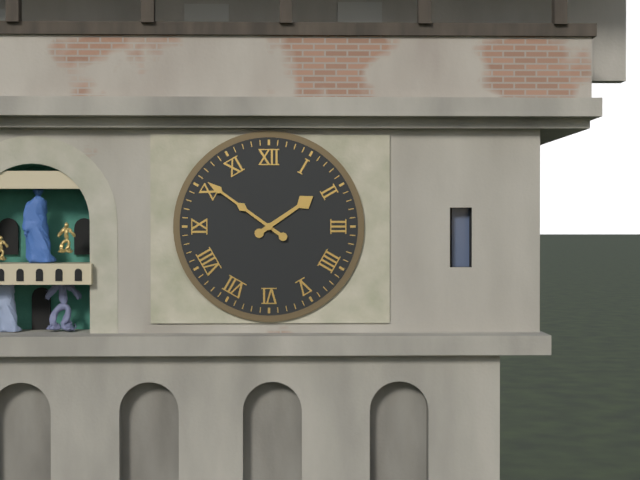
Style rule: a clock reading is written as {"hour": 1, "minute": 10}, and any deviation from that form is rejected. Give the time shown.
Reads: {"hour": 1, "minute": 51}
